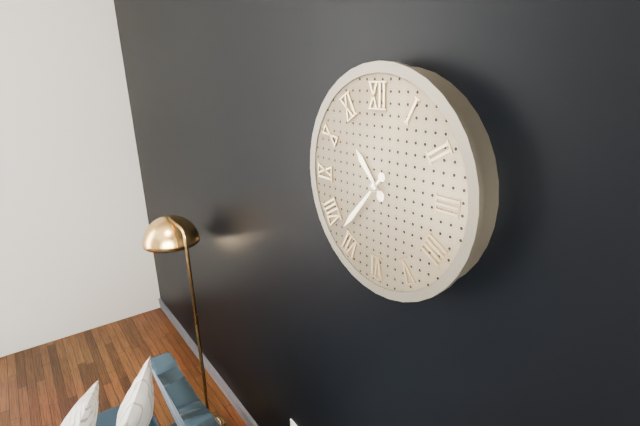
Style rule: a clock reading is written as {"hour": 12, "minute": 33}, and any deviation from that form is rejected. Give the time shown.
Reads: {"hour": 10, "minute": 37}
